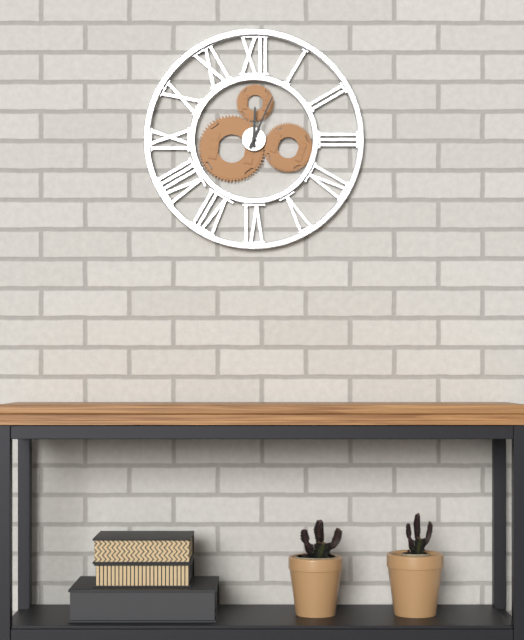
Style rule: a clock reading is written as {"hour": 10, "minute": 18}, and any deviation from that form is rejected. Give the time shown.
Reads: {"hour": 12, "minute": 4}
